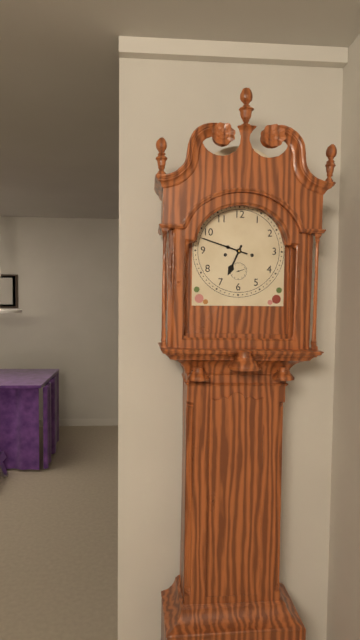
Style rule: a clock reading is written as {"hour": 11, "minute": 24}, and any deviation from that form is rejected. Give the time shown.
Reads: {"hour": 6, "minute": 48}
